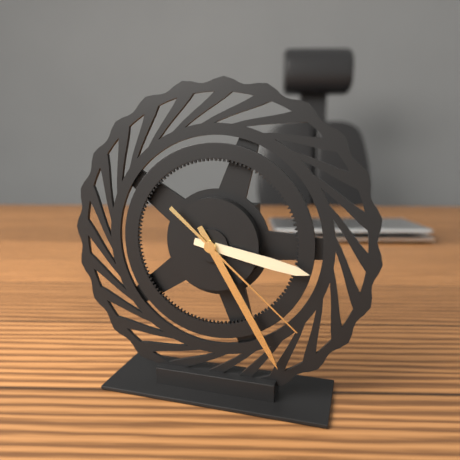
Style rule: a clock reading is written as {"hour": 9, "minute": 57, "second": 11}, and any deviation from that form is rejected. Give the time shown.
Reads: {"hour": 3, "minute": 25, "second": 22}
